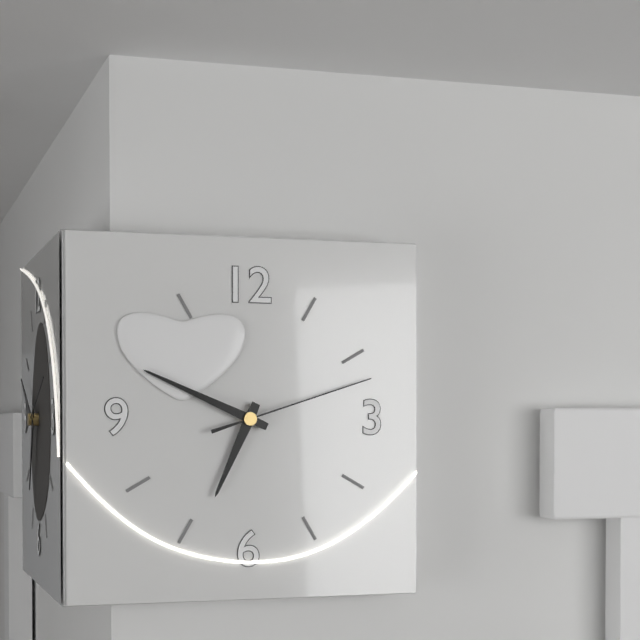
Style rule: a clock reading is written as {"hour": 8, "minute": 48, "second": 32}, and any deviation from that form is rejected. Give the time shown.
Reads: {"hour": 6, "minute": 49, "second": 12}
